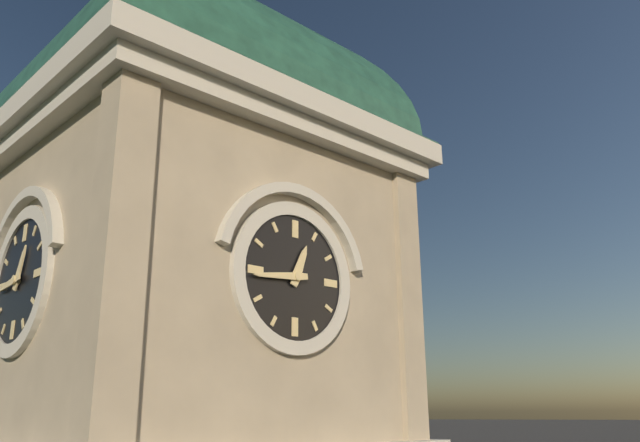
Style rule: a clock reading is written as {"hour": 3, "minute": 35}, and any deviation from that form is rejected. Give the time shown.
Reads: {"hour": 12, "minute": 44}
